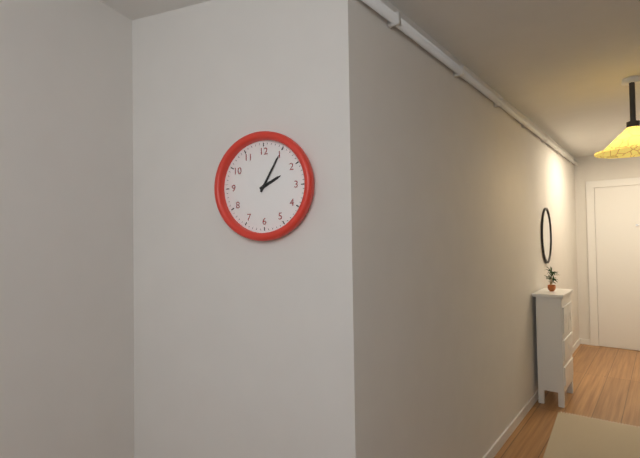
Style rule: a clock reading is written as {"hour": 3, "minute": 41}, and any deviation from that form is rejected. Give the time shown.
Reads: {"hour": 2, "minute": 5}
